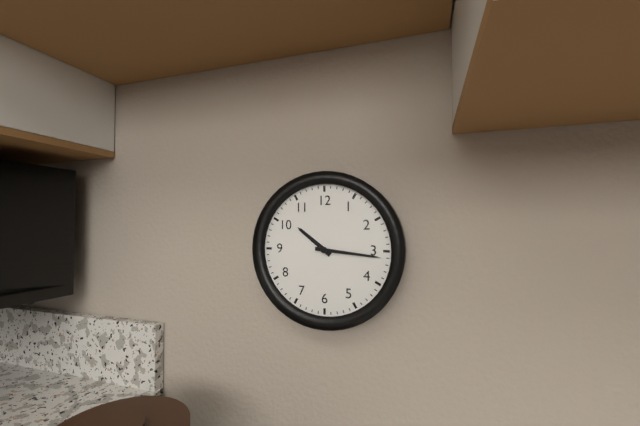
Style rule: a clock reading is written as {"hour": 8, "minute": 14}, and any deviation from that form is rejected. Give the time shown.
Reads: {"hour": 10, "minute": 16}
